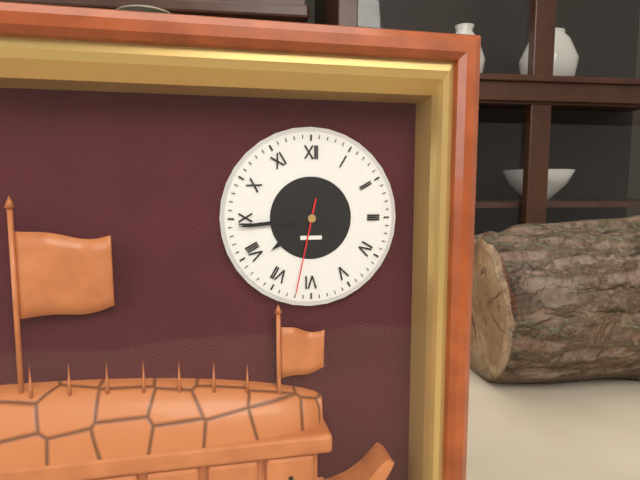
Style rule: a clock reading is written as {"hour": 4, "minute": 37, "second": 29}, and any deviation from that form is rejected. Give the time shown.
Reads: {"hour": 7, "minute": 44, "second": 32}
